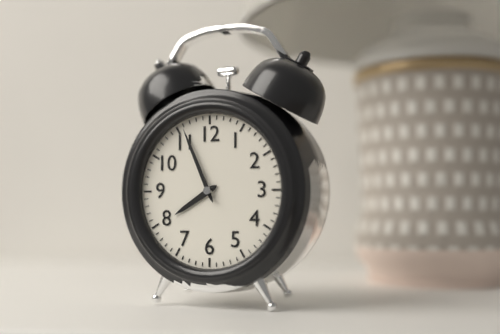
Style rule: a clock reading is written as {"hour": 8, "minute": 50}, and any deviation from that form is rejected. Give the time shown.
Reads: {"hour": 7, "minute": 56}
